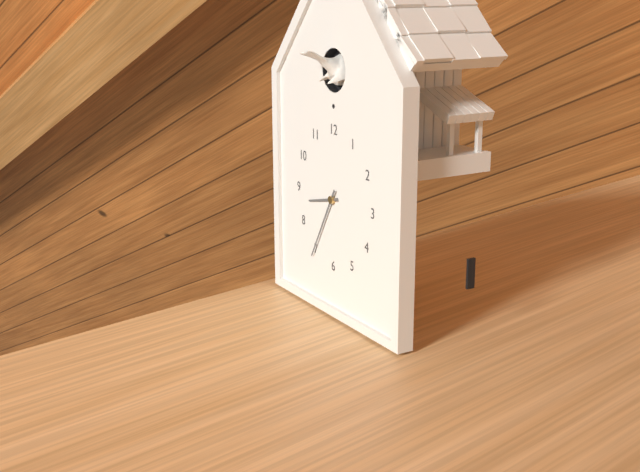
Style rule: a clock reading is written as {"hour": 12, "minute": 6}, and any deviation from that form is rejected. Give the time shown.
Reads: {"hour": 8, "minute": 35}
